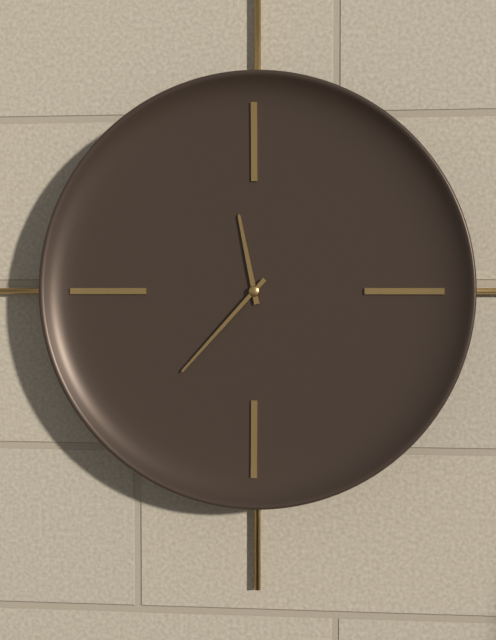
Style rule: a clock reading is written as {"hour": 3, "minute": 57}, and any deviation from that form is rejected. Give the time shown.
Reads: {"hour": 11, "minute": 37}
